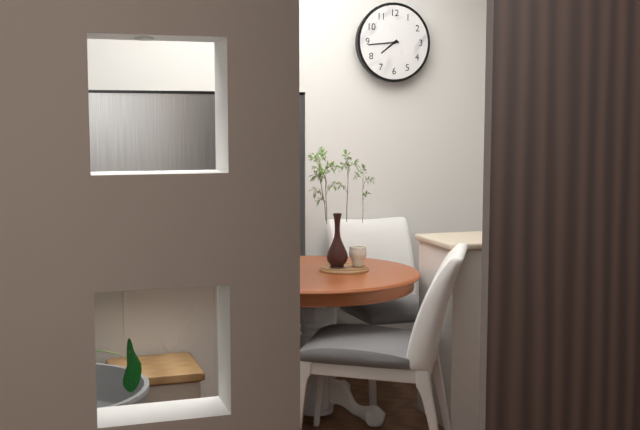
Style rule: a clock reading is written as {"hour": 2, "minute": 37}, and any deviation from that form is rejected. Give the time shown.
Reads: {"hour": 7, "minute": 44}
